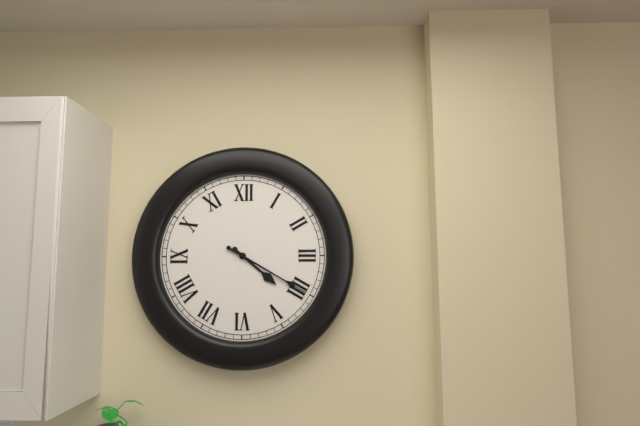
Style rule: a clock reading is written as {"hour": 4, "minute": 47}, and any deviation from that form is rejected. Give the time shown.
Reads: {"hour": 4, "minute": 20}
